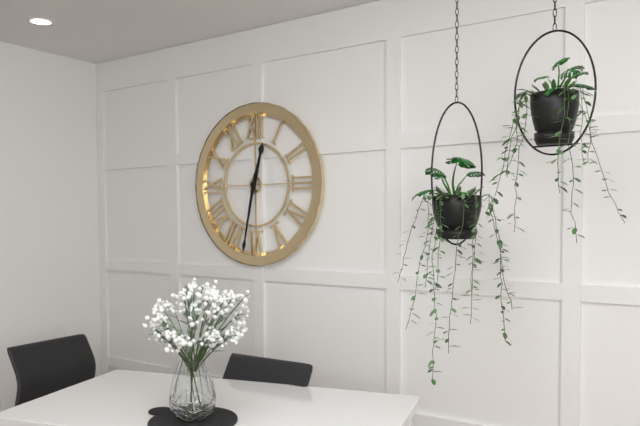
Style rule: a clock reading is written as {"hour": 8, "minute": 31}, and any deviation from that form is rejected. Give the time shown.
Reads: {"hour": 12, "minute": 32}
